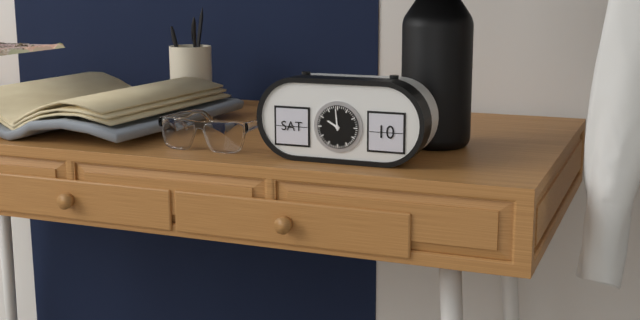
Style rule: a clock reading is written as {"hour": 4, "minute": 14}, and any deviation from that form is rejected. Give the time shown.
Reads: {"hour": 9, "minute": 59}
